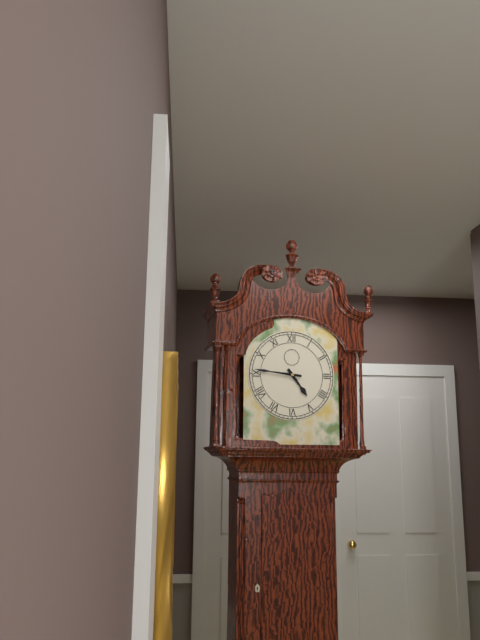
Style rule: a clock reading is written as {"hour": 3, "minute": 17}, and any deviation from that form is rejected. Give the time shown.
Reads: {"hour": 4, "minute": 46}
